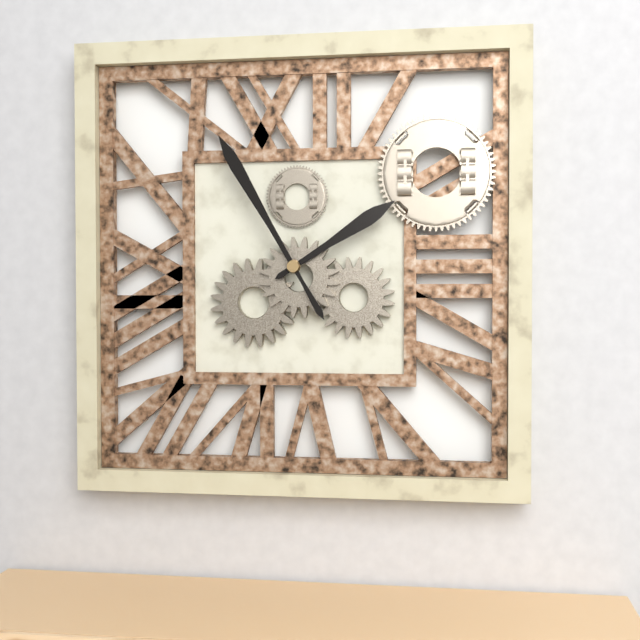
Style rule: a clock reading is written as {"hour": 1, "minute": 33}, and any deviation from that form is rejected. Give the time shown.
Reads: {"hour": 1, "minute": 55}
